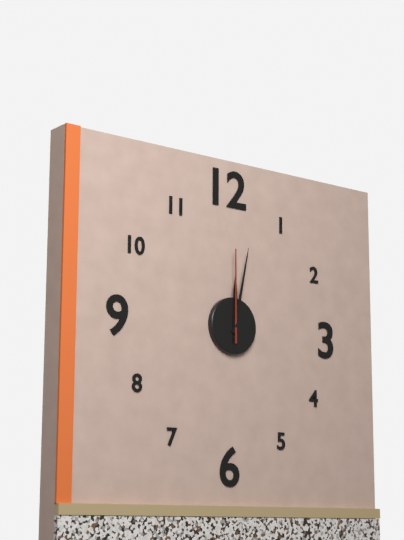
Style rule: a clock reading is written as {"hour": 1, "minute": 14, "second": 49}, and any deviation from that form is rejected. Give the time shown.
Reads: {"hour": 12, "minute": 2, "second": 0}
